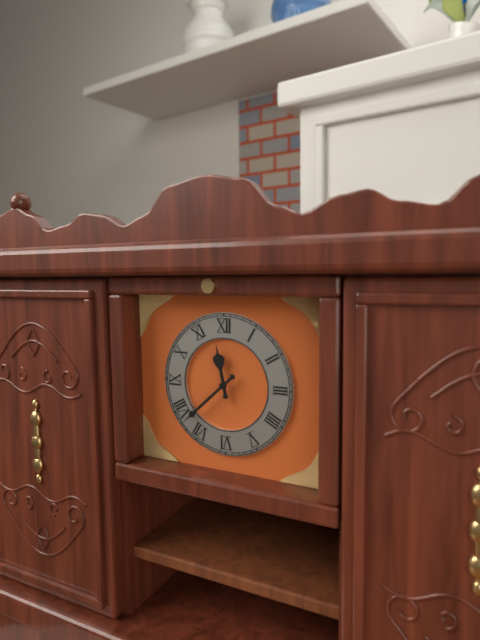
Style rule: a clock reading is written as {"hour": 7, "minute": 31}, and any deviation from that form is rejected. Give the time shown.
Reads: {"hour": 11, "minute": 38}
